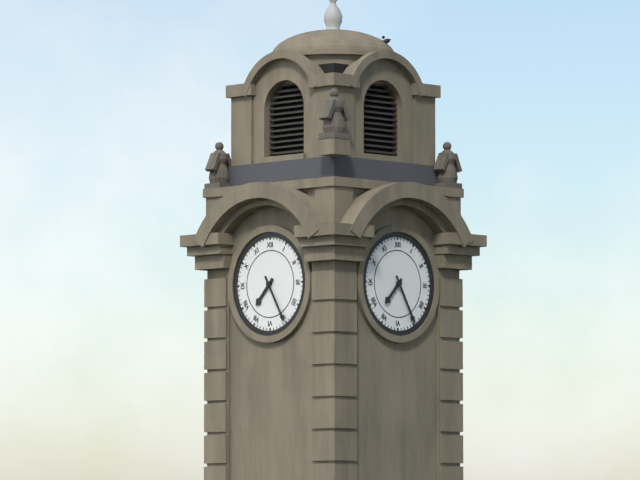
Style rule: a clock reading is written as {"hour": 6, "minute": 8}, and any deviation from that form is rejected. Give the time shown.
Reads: {"hour": 7, "minute": 25}
